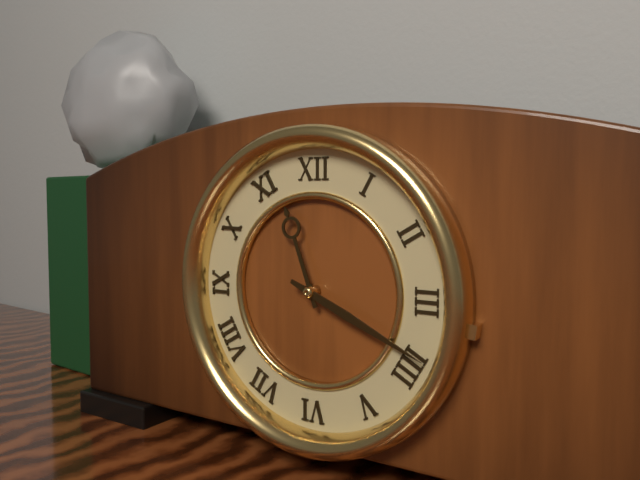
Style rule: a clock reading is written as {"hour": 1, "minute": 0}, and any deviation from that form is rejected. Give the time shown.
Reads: {"hour": 11, "minute": 19}
